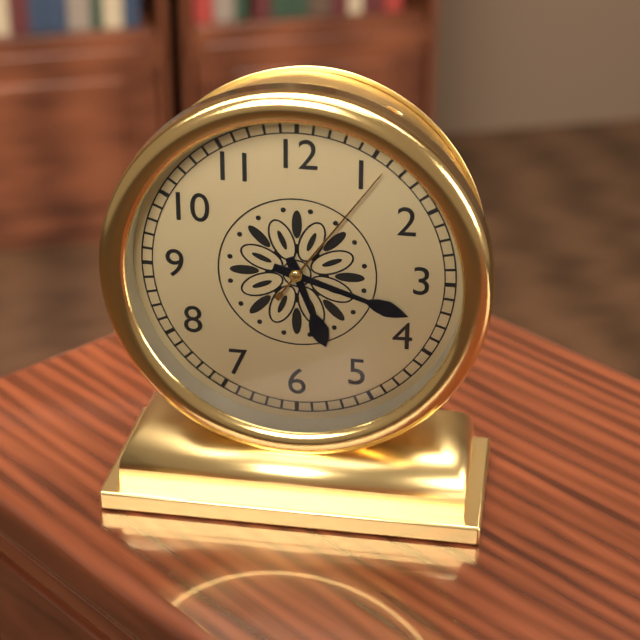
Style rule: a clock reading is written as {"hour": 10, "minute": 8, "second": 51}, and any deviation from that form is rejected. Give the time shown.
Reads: {"hour": 5, "minute": 18, "second": 6}
